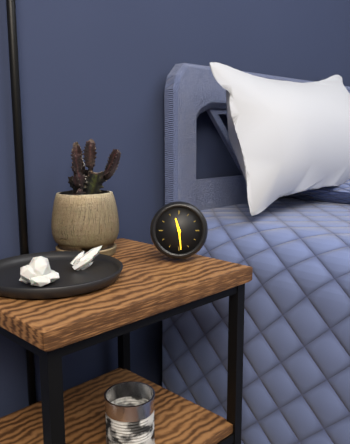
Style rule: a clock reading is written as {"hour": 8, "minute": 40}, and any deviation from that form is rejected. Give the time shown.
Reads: {"hour": 11, "minute": 29}
